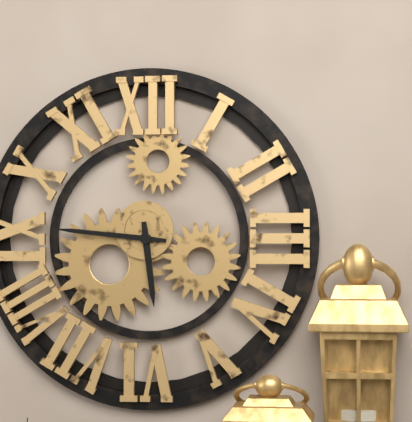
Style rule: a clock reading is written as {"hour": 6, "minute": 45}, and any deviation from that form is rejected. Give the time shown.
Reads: {"hour": 5, "minute": 46}
